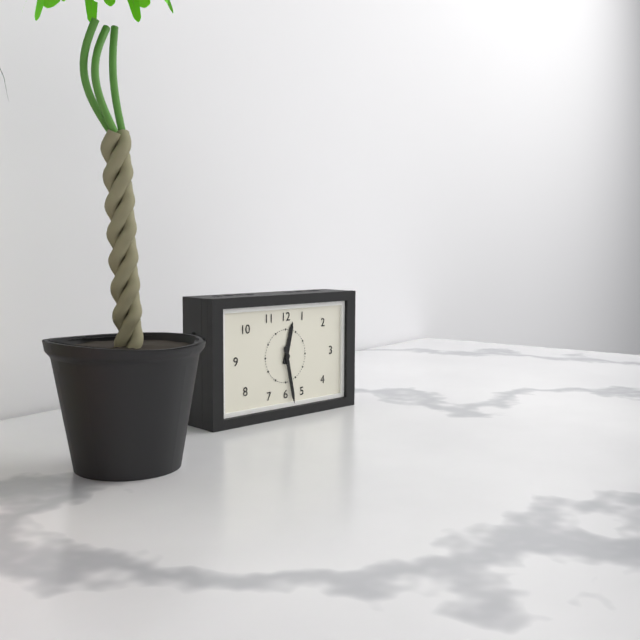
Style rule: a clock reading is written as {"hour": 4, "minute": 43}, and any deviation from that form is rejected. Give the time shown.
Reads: {"hour": 12, "minute": 28}
